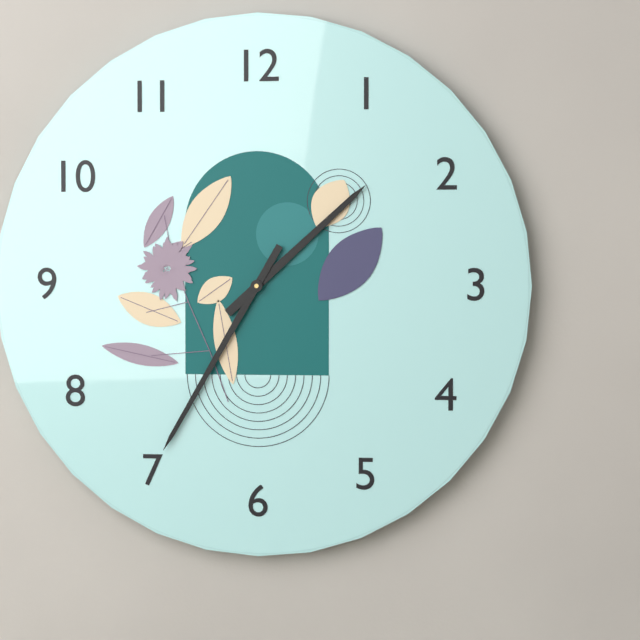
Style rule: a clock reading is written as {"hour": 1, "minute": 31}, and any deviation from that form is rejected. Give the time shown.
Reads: {"hour": 1, "minute": 35}
